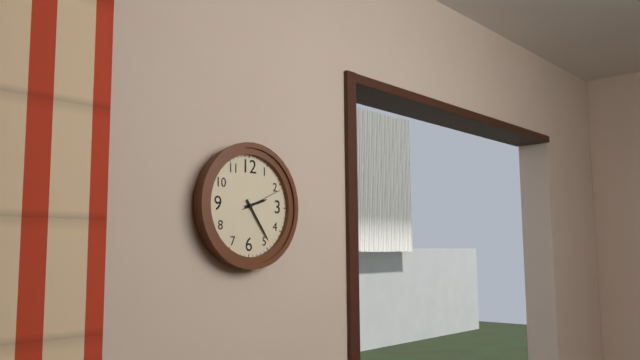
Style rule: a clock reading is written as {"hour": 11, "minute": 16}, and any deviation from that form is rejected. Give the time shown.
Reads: {"hour": 2, "minute": 24}
